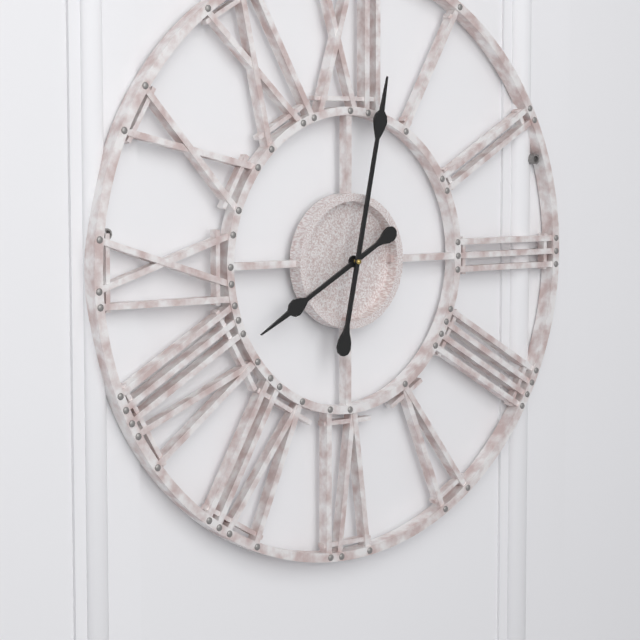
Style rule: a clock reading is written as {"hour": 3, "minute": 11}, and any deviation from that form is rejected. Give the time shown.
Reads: {"hour": 8, "minute": 2}
